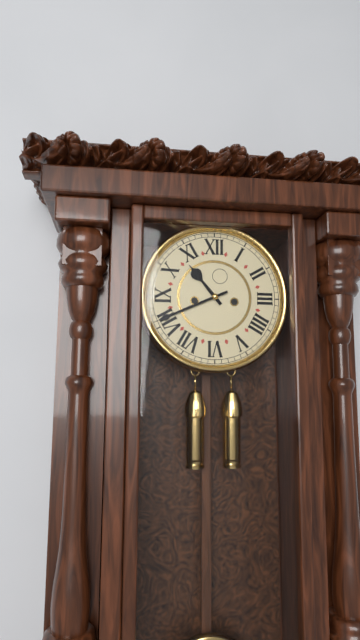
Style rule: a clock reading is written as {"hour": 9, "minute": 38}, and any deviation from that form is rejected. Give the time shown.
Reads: {"hour": 10, "minute": 41}
